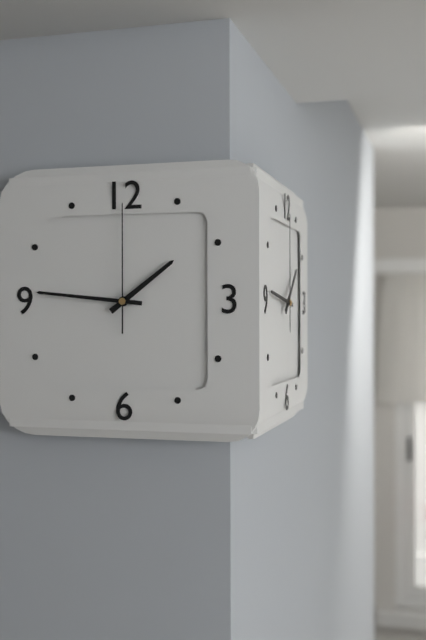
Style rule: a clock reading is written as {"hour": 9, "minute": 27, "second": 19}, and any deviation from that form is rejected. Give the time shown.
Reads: {"hour": 1, "minute": 46, "second": 0}
